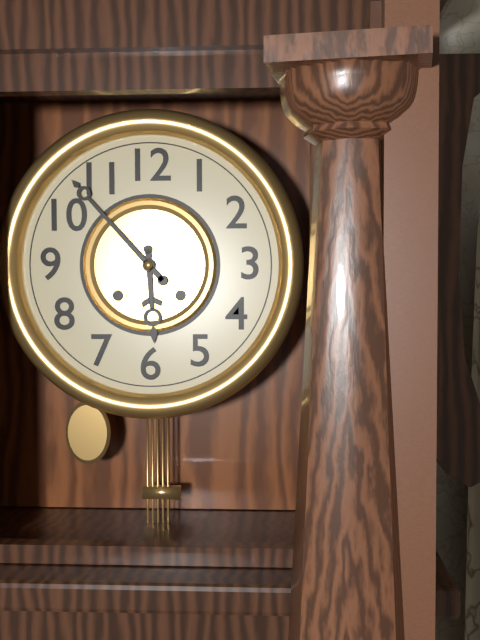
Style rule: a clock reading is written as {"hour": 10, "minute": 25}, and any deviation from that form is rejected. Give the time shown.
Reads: {"hour": 5, "minute": 53}
